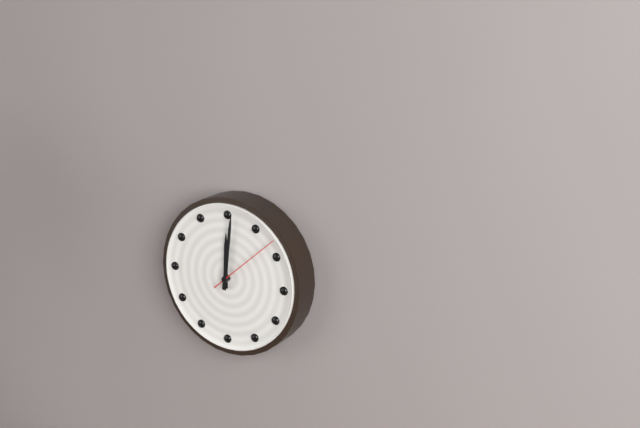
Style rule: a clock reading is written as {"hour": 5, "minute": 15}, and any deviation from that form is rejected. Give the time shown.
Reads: {"hour": 12, "minute": 1}
